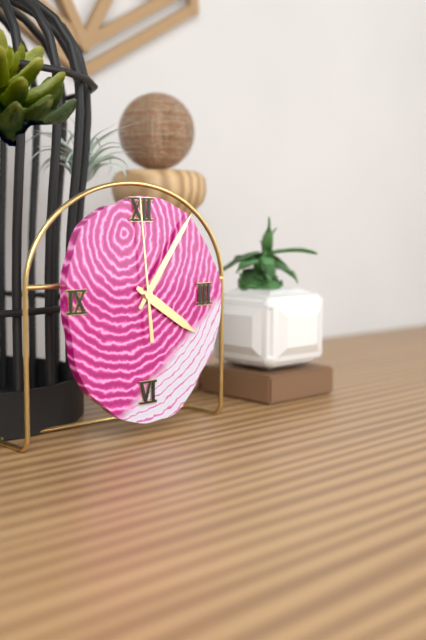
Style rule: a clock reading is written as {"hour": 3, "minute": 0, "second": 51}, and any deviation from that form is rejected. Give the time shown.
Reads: {"hour": 4, "minute": 6, "second": 59}
